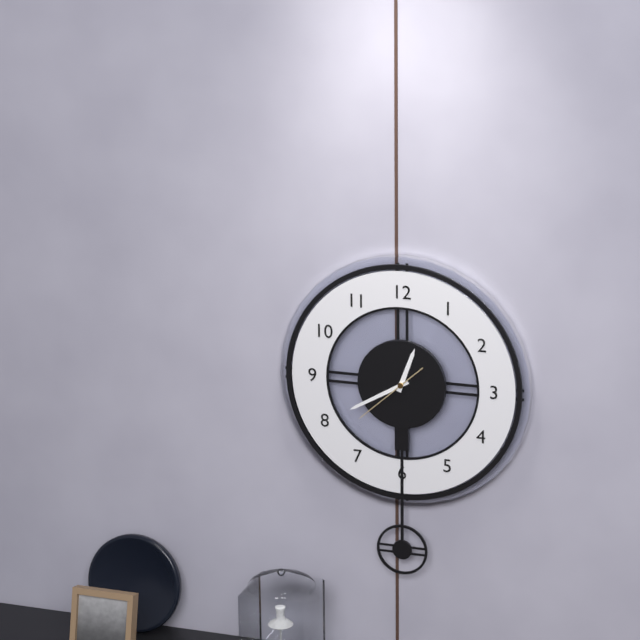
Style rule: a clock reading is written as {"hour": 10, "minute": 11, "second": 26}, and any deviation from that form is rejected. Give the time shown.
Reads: {"hour": 12, "minute": 40, "second": 38}
